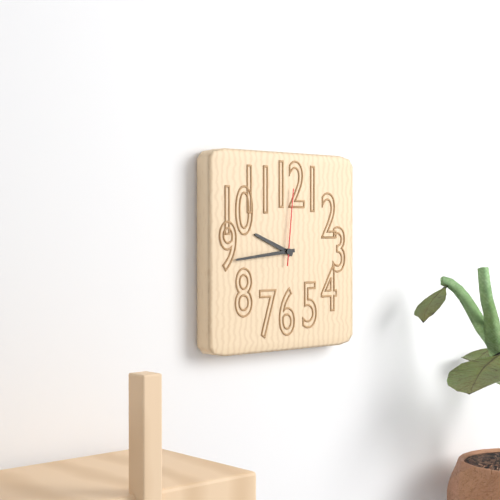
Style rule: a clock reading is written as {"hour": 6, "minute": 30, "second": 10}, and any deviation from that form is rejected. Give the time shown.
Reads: {"hour": 9, "minute": 44, "second": 1}
